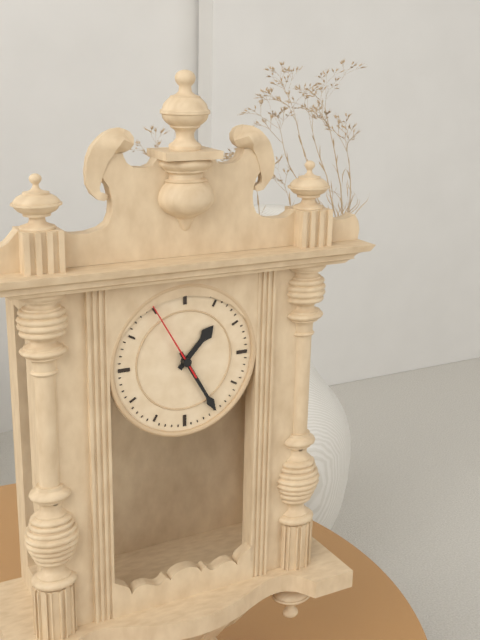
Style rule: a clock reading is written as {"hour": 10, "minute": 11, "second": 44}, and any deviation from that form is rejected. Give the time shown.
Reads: {"hour": 1, "minute": 25, "second": 55}
